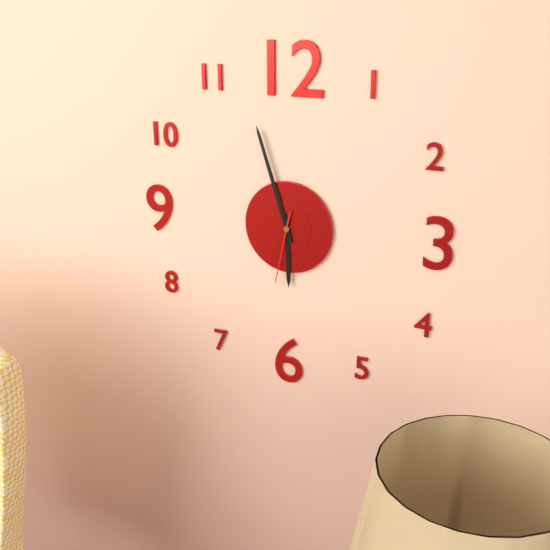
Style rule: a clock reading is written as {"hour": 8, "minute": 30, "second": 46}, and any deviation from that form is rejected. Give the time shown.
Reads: {"hour": 5, "minute": 57, "second": 32}
